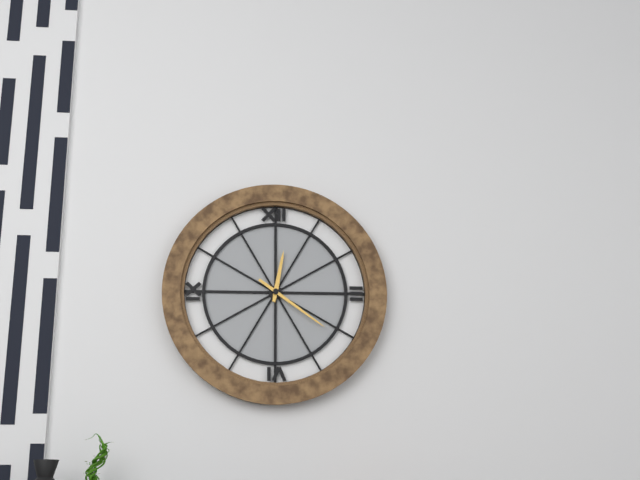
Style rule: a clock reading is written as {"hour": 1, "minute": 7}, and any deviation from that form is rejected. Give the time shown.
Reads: {"hour": 12, "minute": 21}
